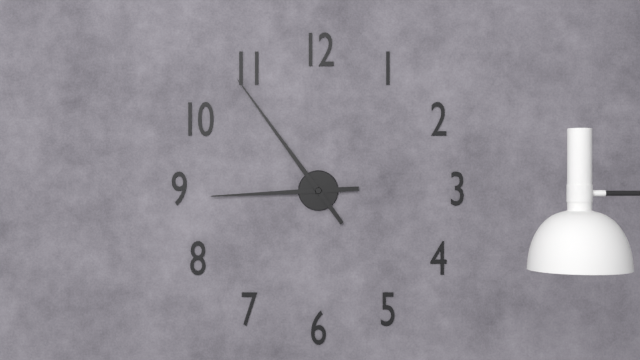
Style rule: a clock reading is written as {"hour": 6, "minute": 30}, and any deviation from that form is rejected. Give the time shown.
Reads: {"hour": 8, "minute": 54}
